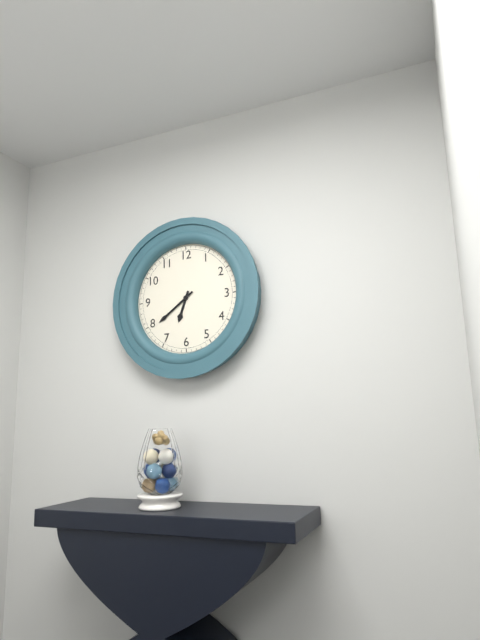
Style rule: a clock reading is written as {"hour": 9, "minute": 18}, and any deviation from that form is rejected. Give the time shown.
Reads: {"hour": 6, "minute": 39}
